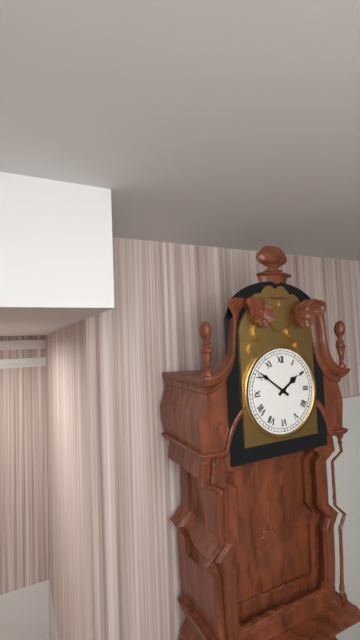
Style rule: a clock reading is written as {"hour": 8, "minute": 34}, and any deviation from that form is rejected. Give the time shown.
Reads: {"hour": 1, "minute": 51}
